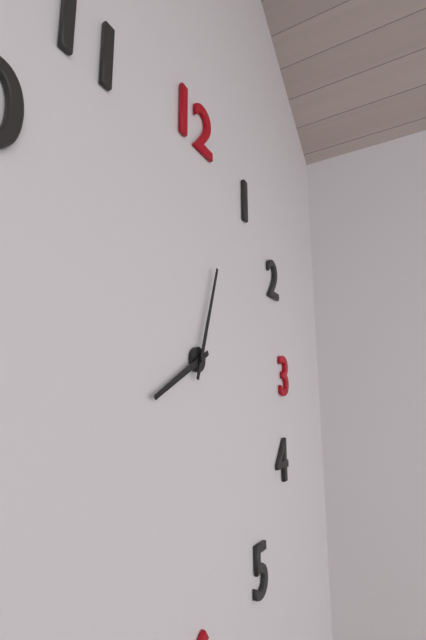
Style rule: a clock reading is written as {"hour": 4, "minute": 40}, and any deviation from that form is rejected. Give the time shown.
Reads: {"hour": 8, "minute": 3}
